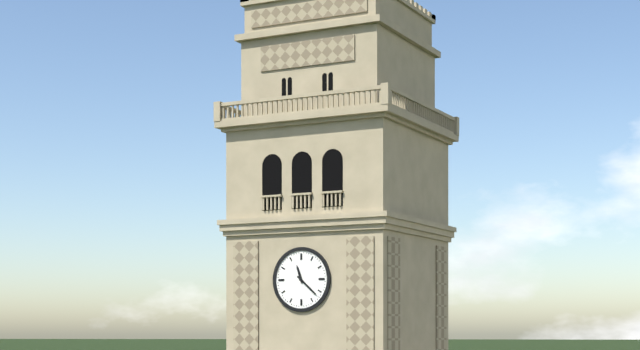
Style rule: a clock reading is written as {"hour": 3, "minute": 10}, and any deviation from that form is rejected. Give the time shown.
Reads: {"hour": 11, "minute": 22}
